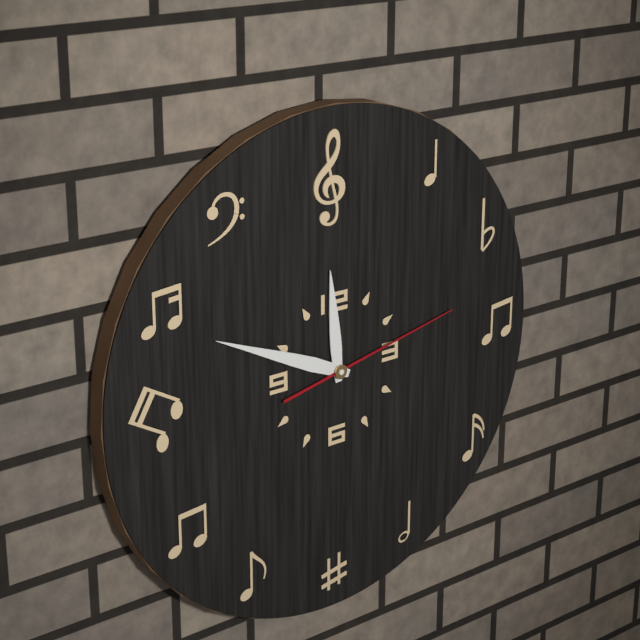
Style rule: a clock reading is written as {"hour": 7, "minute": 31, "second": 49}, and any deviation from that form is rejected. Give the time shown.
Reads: {"hour": 11, "minute": 49, "second": 13}
